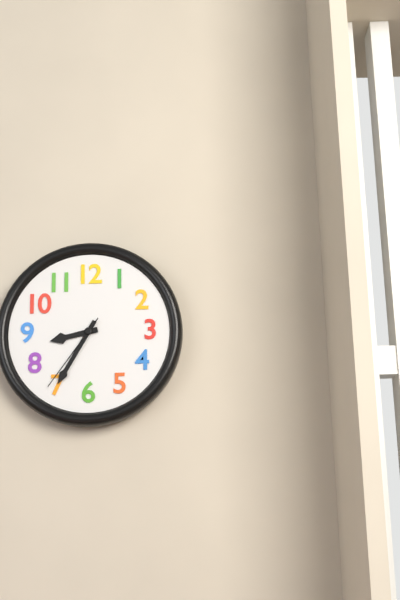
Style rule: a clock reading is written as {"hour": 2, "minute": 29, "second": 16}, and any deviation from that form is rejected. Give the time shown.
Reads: {"hour": 8, "minute": 35, "second": 36}
